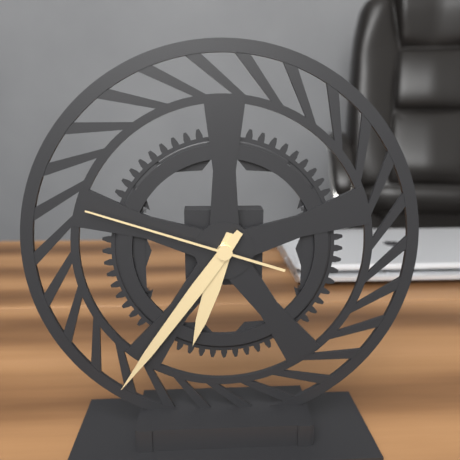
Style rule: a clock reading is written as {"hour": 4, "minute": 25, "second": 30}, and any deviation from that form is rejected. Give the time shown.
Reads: {"hour": 6, "minute": 36, "second": 48}
